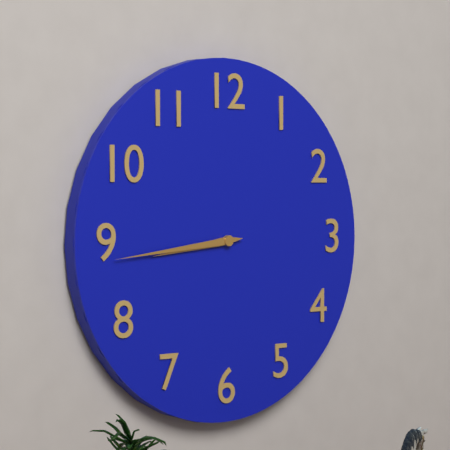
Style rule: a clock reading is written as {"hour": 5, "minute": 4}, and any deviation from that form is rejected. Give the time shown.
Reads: {"hour": 8, "minute": 44}
